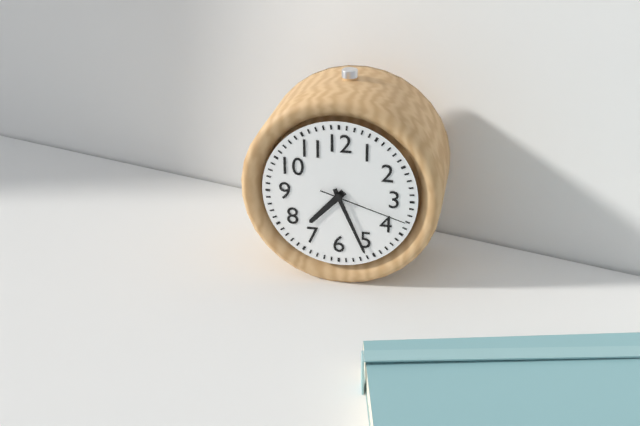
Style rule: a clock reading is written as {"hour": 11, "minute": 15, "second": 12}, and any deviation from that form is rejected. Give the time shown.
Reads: {"hour": 7, "minute": 26, "second": 18}
